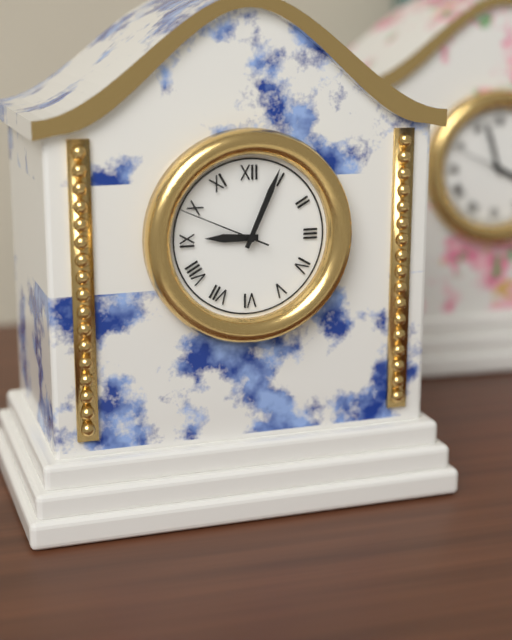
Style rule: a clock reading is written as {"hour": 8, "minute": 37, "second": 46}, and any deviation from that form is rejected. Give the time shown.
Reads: {"hour": 9, "minute": 4, "second": 49}
